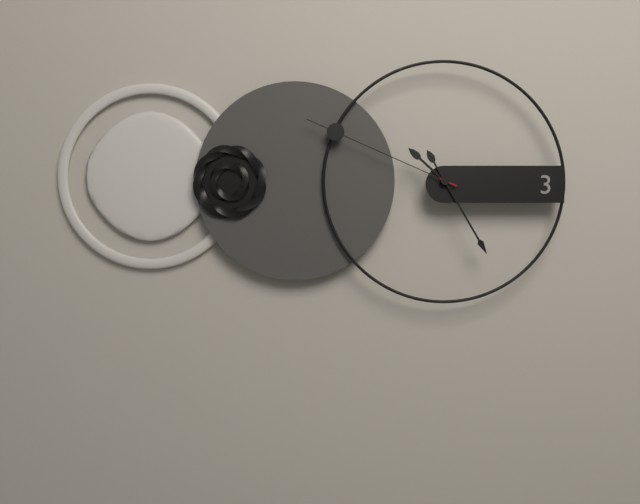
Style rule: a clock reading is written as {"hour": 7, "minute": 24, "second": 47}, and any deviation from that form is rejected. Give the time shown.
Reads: {"hour": 10, "minute": 25, "second": 49}
